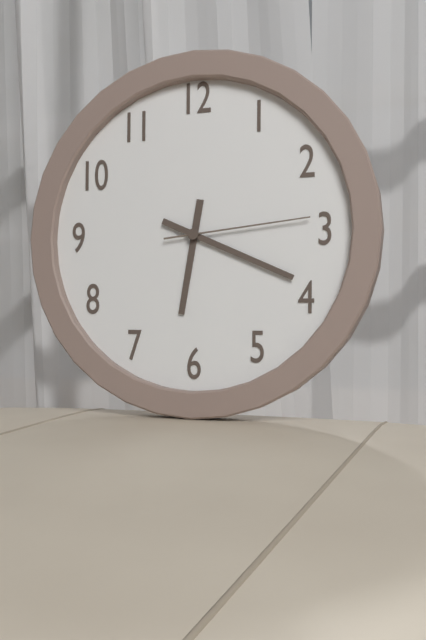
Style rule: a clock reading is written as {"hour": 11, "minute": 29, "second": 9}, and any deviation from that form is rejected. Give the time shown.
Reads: {"hour": 6, "minute": 19, "second": 14}
